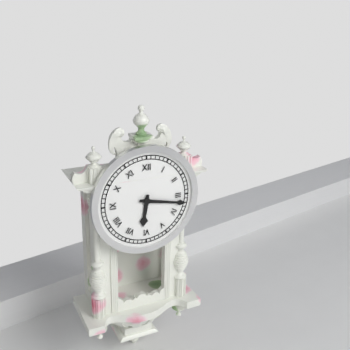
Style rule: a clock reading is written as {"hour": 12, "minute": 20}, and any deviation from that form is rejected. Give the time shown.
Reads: {"hour": 6, "minute": 17}
